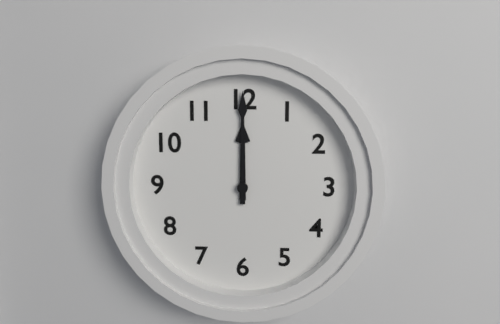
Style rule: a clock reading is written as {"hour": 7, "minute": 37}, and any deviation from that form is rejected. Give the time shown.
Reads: {"hour": 12, "minute": 0}
